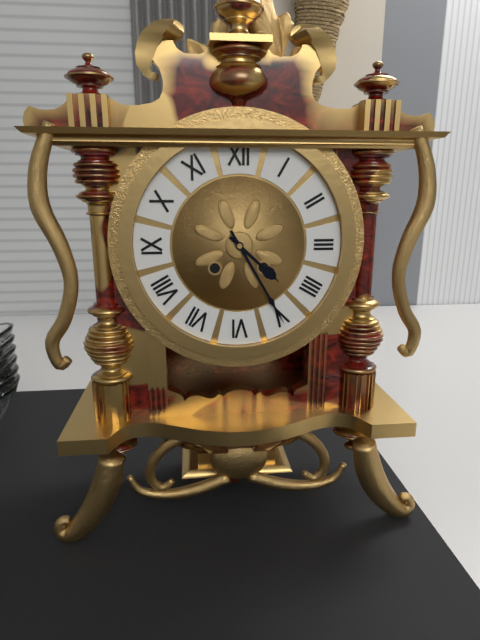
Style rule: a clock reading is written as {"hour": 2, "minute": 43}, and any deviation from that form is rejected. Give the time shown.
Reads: {"hour": 4, "minute": 25}
